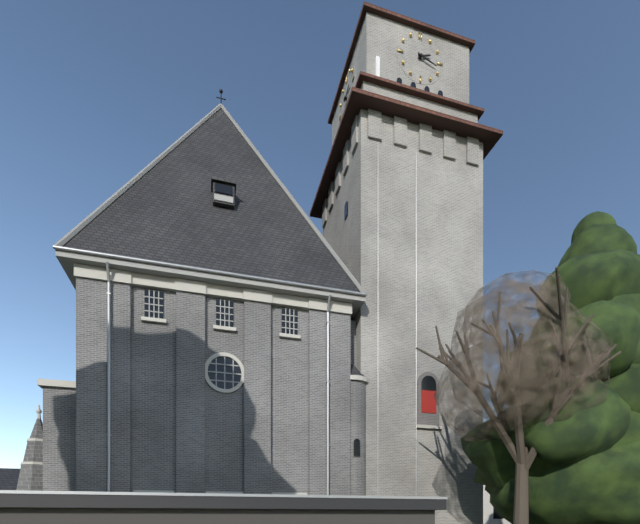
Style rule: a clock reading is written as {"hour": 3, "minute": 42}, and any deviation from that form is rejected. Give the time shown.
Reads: {"hour": 2, "minute": 18}
